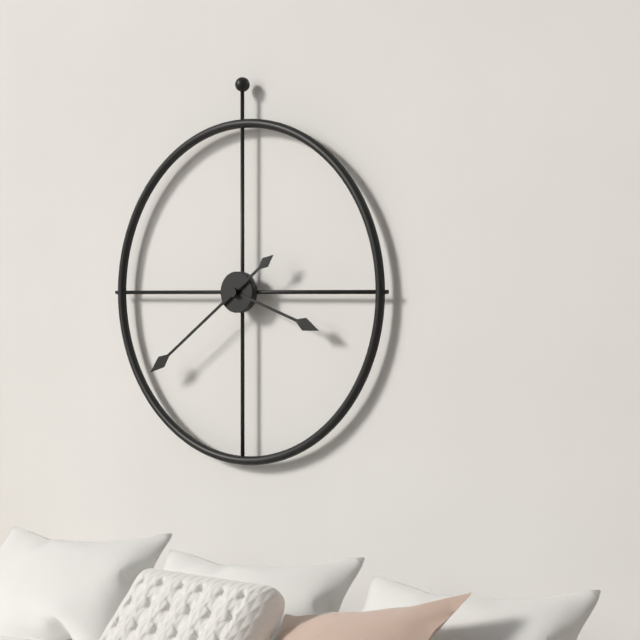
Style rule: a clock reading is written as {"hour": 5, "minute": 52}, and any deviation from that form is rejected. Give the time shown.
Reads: {"hour": 3, "minute": 39}
